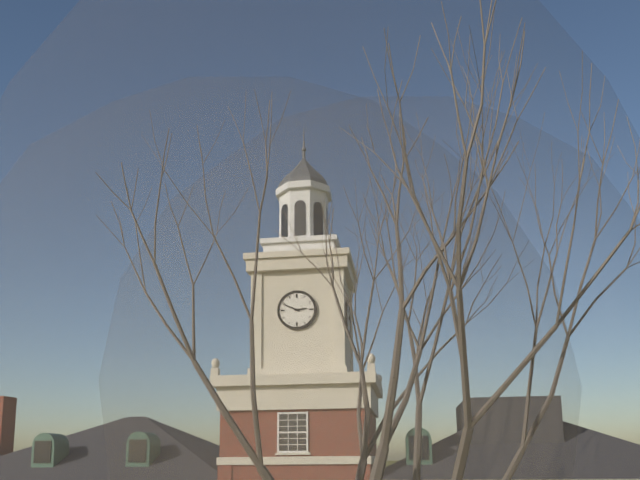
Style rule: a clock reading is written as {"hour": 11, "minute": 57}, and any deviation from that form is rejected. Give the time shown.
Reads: {"hour": 2, "minute": 49}
